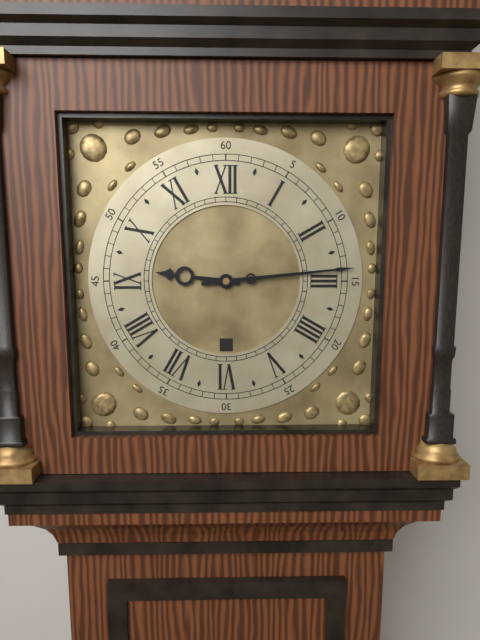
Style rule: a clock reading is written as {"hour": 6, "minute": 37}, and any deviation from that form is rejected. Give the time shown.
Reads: {"hour": 9, "minute": 14}
